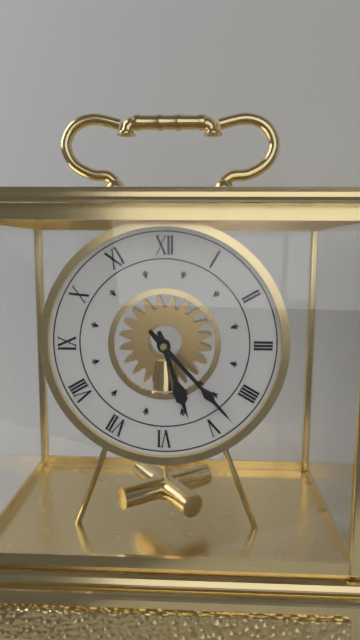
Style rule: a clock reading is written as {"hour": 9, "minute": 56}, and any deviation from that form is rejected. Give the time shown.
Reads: {"hour": 5, "minute": 23}
